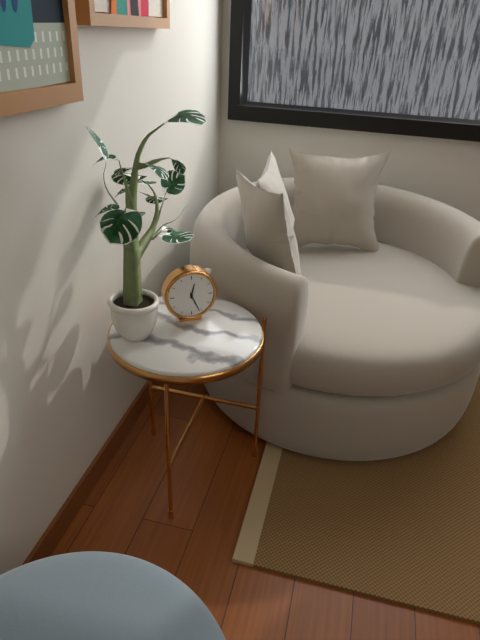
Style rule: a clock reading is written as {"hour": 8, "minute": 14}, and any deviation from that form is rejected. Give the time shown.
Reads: {"hour": 12, "minute": 26}
